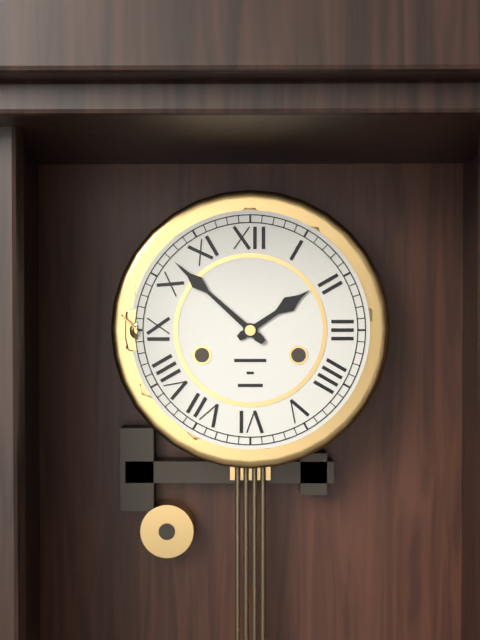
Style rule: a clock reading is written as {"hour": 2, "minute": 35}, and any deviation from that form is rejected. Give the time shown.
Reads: {"hour": 1, "minute": 52}
